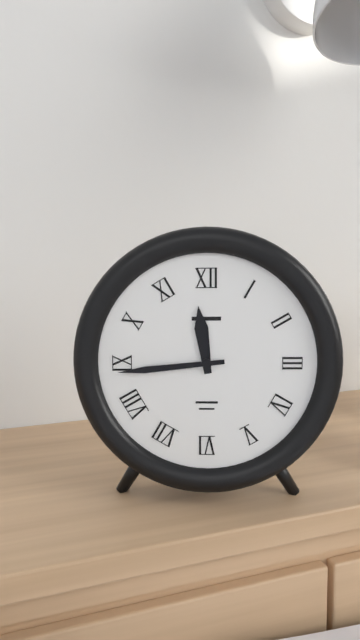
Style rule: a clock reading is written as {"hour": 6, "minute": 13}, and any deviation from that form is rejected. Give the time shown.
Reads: {"hour": 11, "minute": 44}
